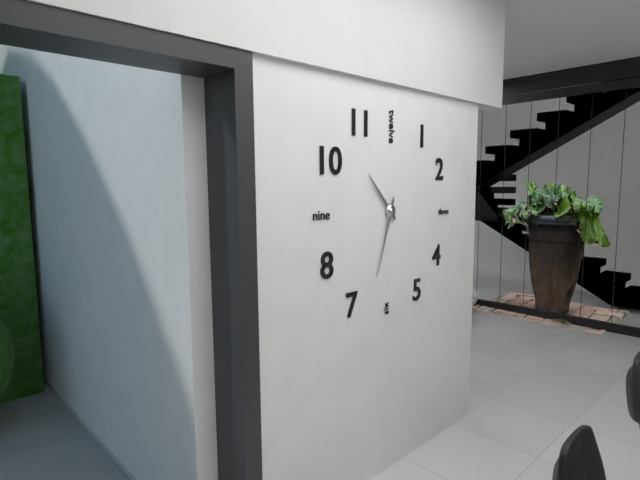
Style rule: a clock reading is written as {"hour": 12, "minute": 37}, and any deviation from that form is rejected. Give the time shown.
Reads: {"hour": 10, "minute": 33}
